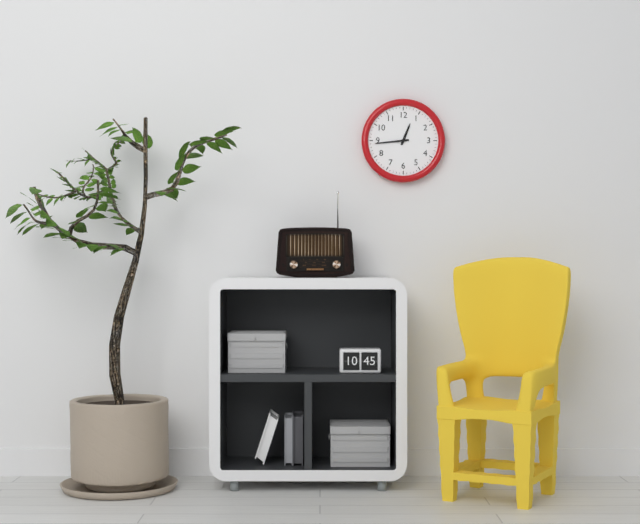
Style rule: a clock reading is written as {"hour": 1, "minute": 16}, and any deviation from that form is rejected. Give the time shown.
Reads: {"hour": 12, "minute": 44}
